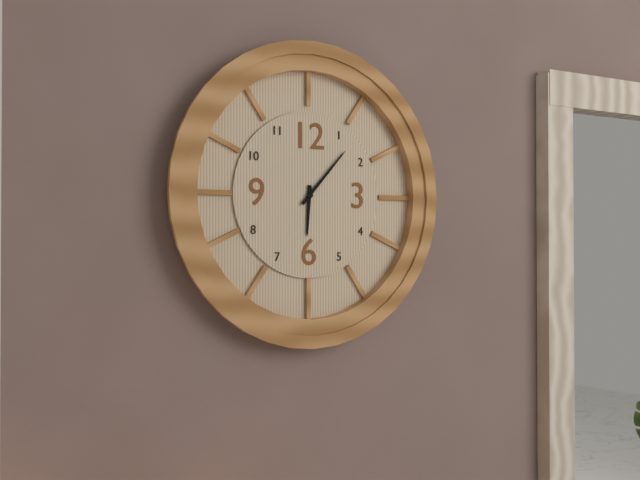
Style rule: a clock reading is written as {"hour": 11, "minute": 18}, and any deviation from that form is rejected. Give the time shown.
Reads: {"hour": 6, "minute": 7}
